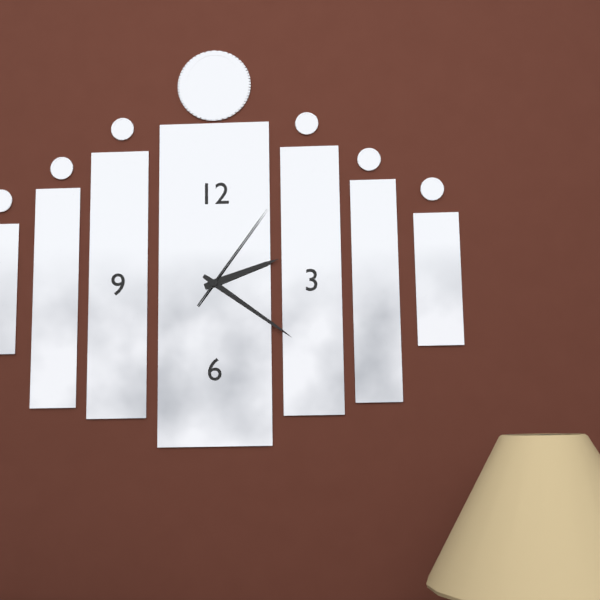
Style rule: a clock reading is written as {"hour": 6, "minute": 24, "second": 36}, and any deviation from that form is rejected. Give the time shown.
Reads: {"hour": 2, "minute": 21, "second": 6}
